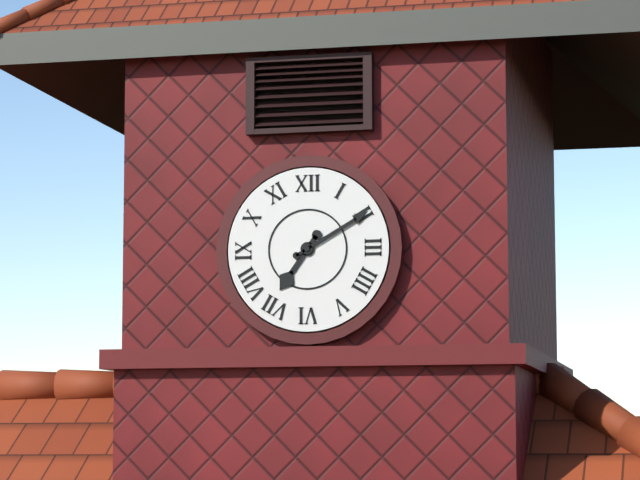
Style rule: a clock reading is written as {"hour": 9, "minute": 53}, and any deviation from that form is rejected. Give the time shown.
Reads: {"hour": 7, "minute": 10}
